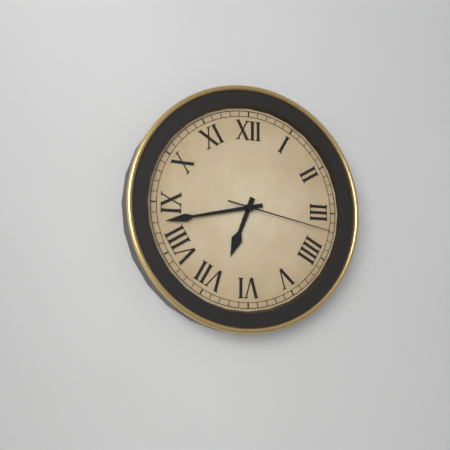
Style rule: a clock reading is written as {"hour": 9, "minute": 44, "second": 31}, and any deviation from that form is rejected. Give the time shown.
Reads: {"hour": 6, "minute": 43, "second": 17}
